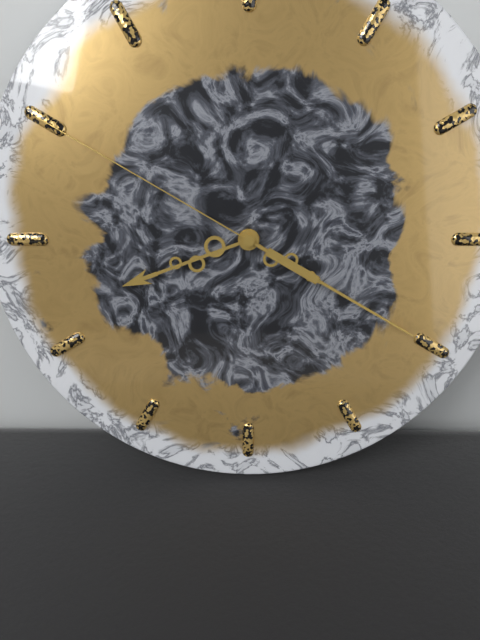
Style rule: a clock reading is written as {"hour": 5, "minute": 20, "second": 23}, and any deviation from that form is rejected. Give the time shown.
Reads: {"hour": 8, "minute": 20, "second": 50}
